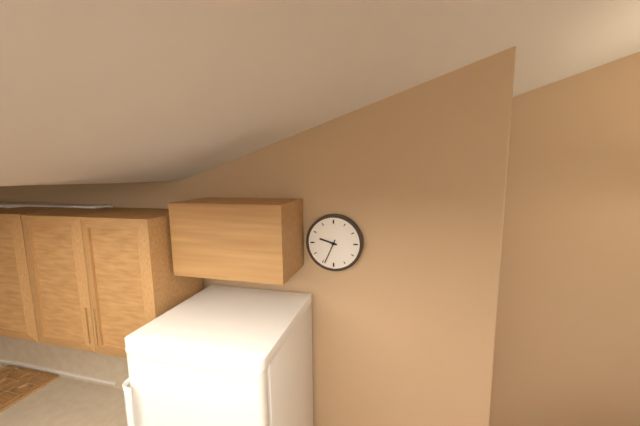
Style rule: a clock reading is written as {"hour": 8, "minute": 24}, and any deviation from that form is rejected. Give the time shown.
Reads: {"hour": 9, "minute": 34}
